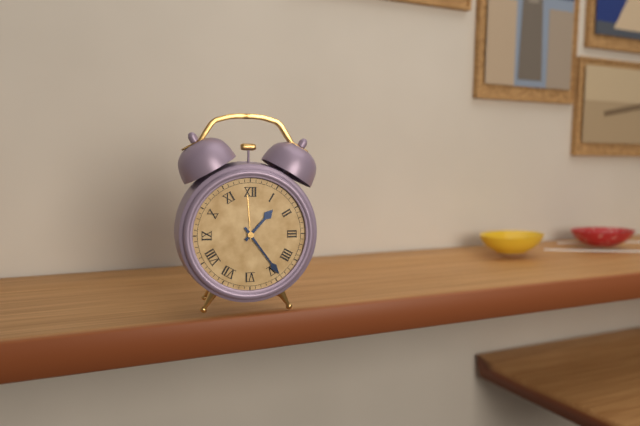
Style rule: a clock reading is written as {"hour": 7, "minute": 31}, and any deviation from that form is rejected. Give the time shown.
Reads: {"hour": 1, "minute": 24}
